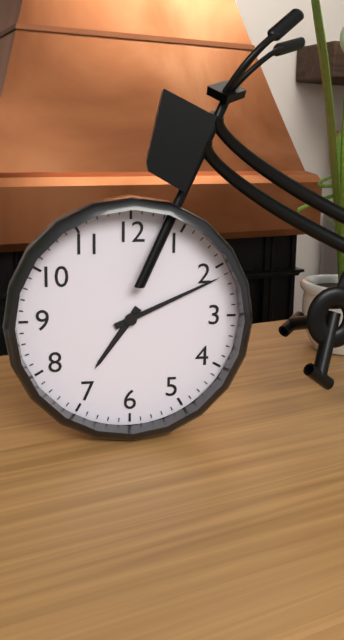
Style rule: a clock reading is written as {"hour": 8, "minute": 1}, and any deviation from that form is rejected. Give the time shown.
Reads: {"hour": 7, "minute": 11}
